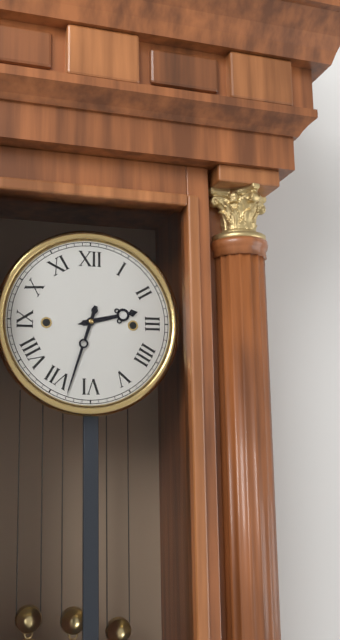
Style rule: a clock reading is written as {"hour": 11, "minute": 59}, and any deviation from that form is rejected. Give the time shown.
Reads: {"hour": 2, "minute": 33}
